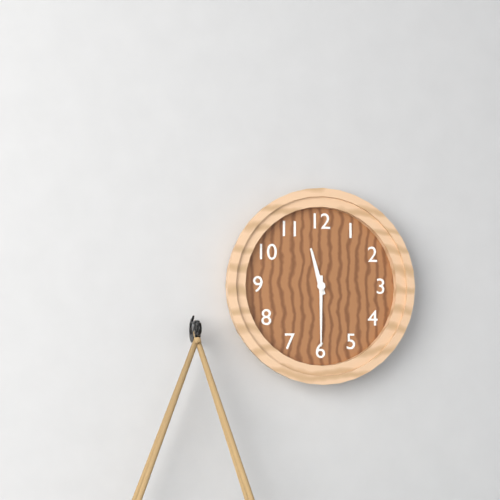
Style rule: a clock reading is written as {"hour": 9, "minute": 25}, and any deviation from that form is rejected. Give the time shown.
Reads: {"hour": 11, "minute": 30}
